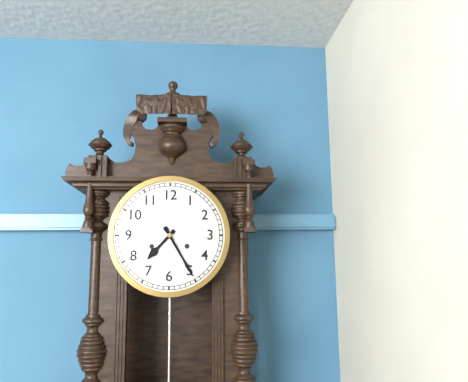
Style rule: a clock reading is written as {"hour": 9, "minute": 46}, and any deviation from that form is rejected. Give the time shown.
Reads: {"hour": 7, "minute": 25}
